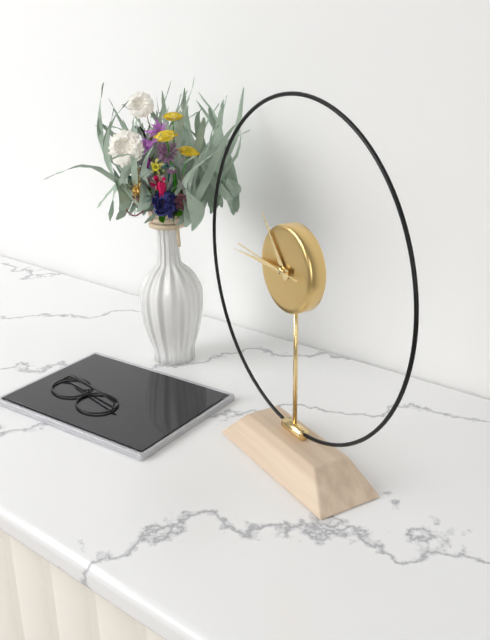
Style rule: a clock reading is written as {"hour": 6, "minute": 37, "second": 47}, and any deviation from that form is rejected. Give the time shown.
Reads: {"hour": 10, "minute": 45, "second": 46}
